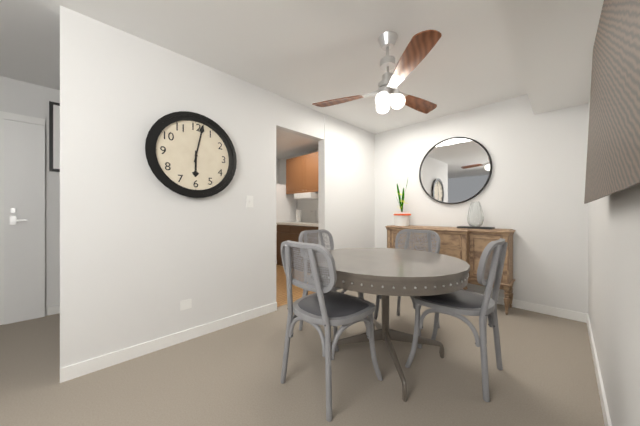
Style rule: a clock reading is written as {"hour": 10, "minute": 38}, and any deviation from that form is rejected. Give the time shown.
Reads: {"hour": 6, "minute": 2}
